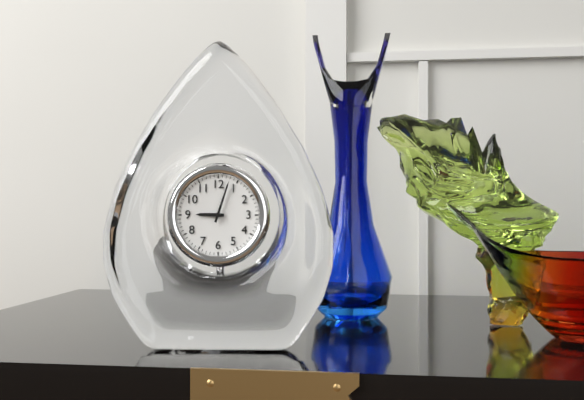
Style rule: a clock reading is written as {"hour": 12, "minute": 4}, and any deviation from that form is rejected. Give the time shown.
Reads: {"hour": 9, "minute": 3}
